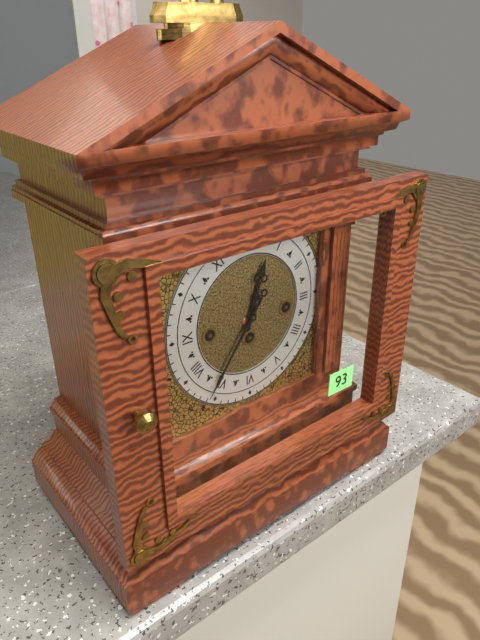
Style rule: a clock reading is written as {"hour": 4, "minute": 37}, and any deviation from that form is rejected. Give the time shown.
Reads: {"hour": 12, "minute": 36}
